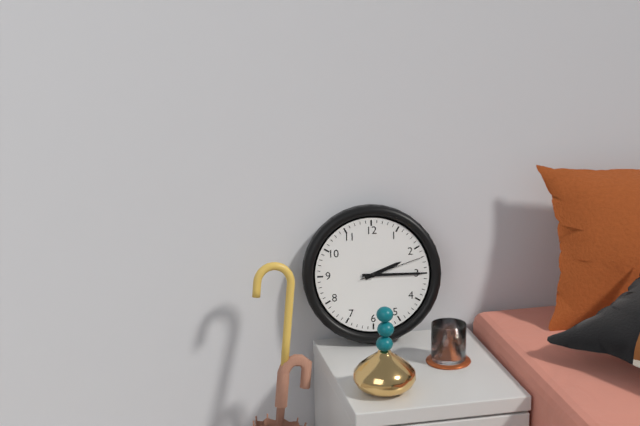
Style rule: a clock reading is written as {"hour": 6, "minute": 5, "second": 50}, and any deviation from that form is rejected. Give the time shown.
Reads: {"hour": 2, "minute": 15, "second": 12}
